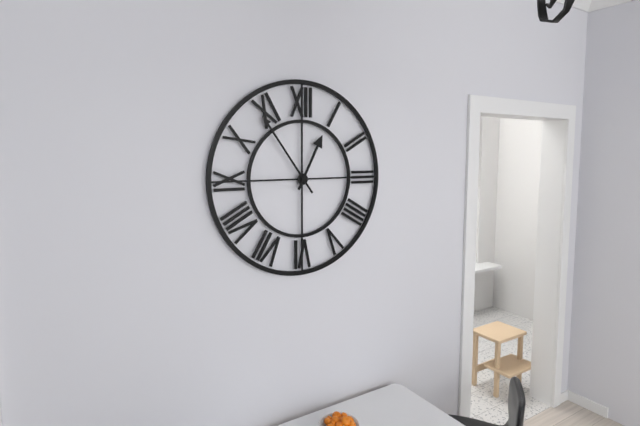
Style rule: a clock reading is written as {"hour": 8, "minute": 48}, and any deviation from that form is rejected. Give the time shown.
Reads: {"hour": 12, "minute": 54}
